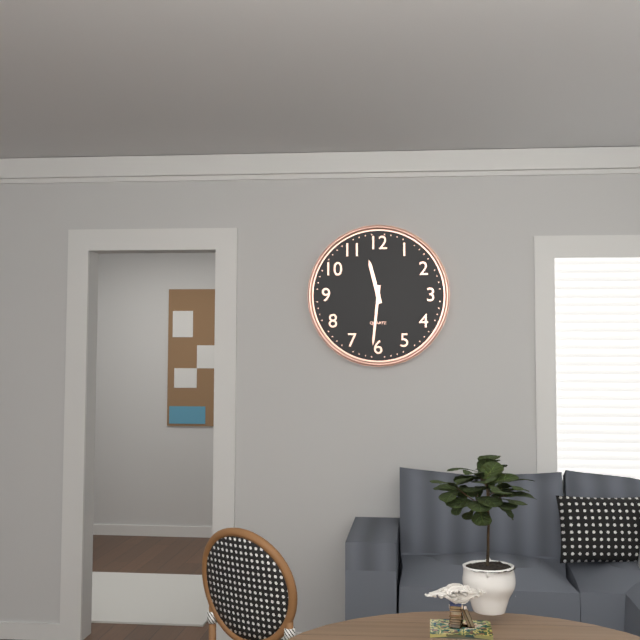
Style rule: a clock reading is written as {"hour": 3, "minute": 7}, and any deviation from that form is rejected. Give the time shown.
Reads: {"hour": 11, "minute": 31}
